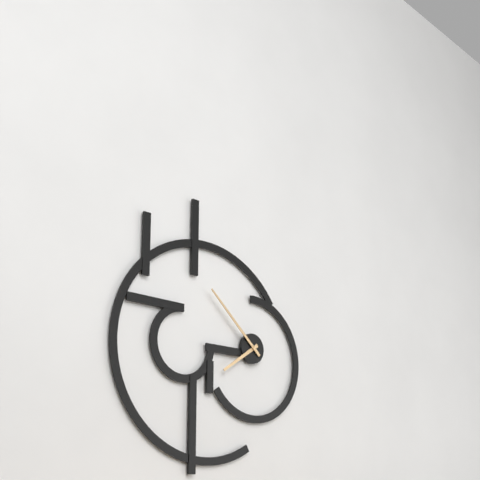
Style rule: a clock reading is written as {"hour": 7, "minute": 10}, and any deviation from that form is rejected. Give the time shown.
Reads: {"hour": 7, "minute": 52}
